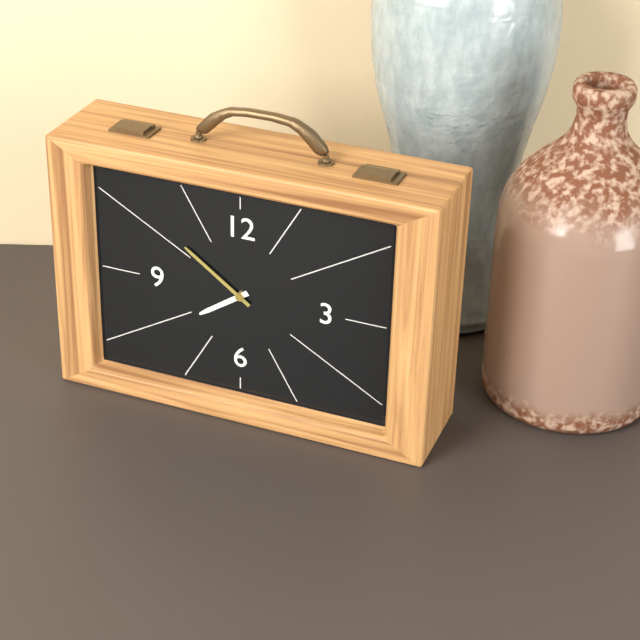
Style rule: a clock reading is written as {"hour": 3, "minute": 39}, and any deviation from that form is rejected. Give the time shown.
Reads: {"hour": 7, "minute": 51}
